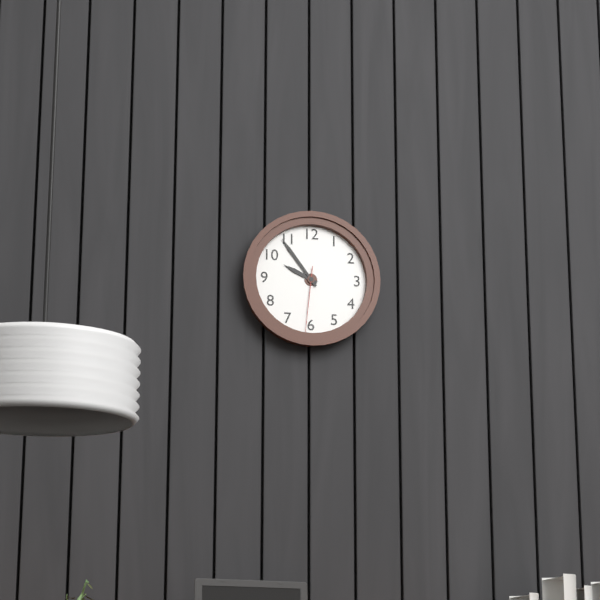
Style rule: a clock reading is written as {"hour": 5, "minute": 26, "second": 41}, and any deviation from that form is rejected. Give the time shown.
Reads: {"hour": 9, "minute": 54, "second": 31}
